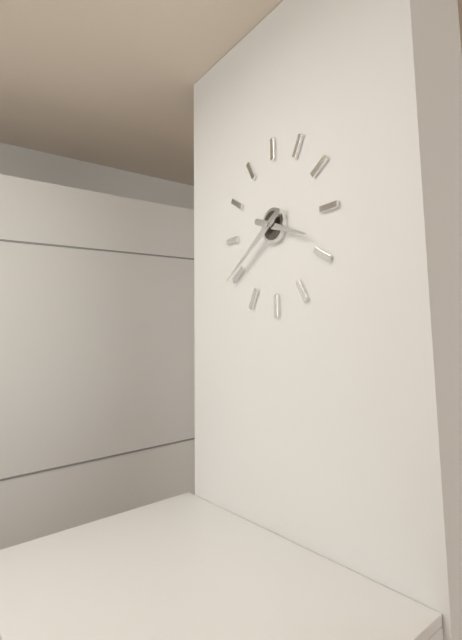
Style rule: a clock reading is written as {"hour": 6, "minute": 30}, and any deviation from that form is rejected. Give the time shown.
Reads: {"hour": 3, "minute": 40}
